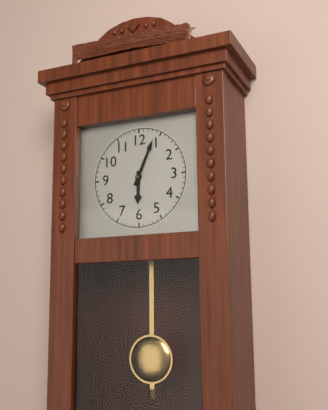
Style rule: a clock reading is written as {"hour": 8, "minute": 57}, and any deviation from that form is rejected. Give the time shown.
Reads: {"hour": 6, "minute": 4}
